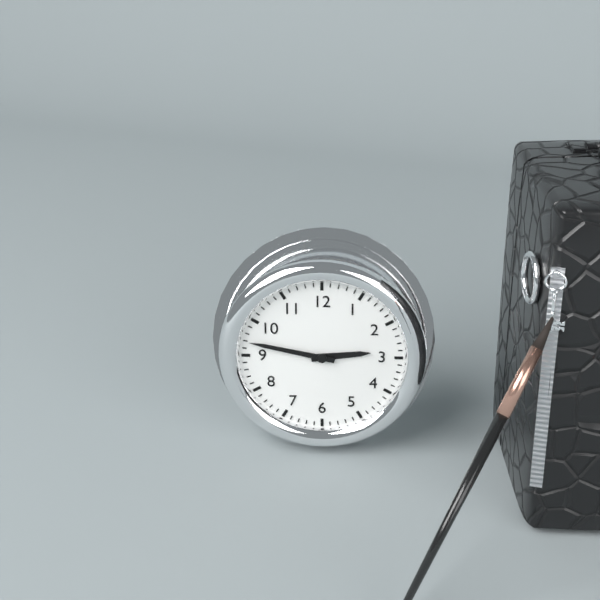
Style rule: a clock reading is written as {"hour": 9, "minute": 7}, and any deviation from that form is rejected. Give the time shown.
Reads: {"hour": 2, "minute": 47}
